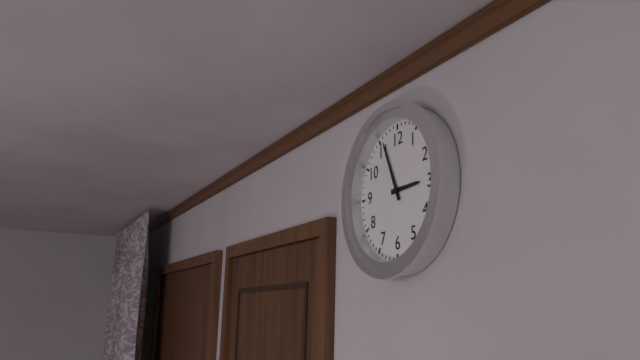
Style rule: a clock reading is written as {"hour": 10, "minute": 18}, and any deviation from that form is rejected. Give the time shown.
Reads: {"hour": 2, "minute": 56}
